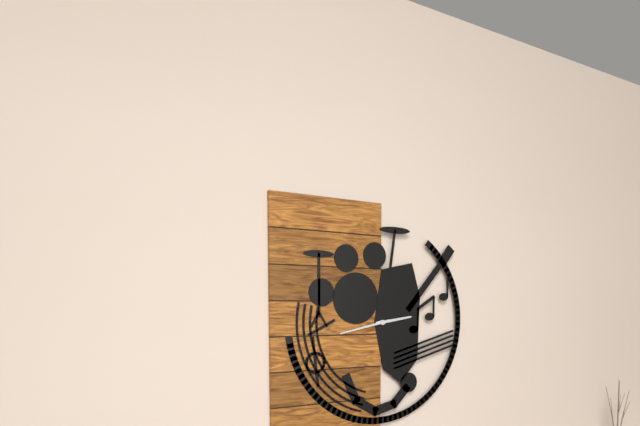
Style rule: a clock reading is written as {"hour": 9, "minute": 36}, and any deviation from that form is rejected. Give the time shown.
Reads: {"hour": 2, "minute": 43}
